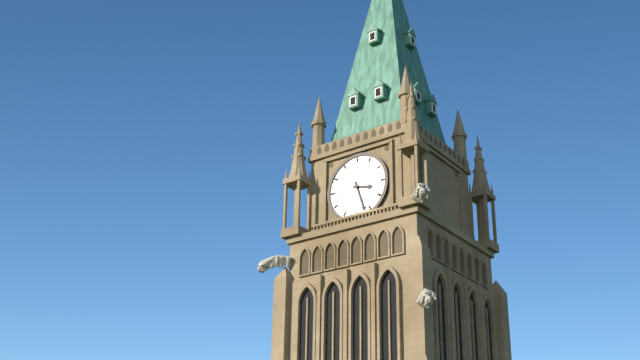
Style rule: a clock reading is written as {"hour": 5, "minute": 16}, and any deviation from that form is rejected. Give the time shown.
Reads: {"hour": 3, "minute": 27}
